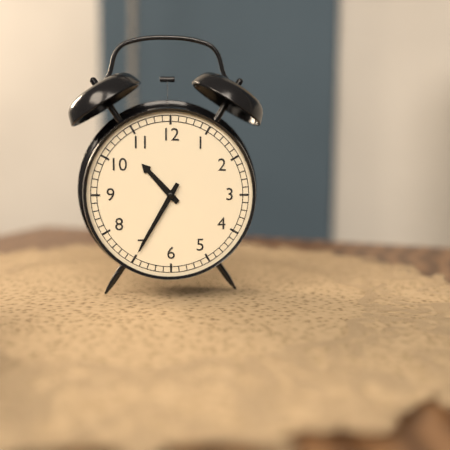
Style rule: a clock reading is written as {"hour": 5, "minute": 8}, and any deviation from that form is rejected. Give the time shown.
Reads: {"hour": 10, "minute": 35}
